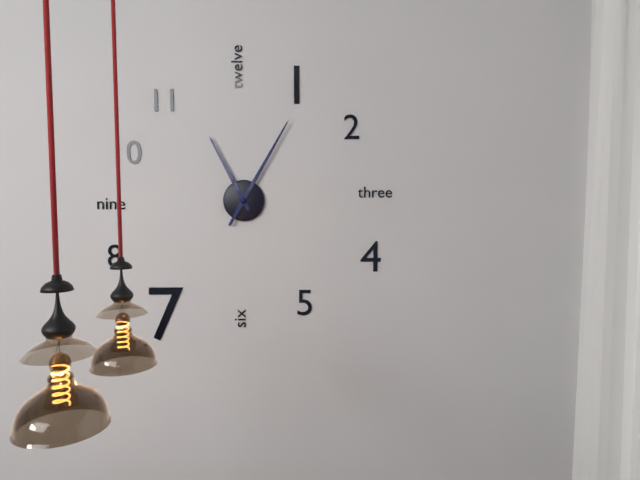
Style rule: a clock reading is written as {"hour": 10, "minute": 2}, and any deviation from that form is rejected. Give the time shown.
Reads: {"hour": 11, "minute": 5}
